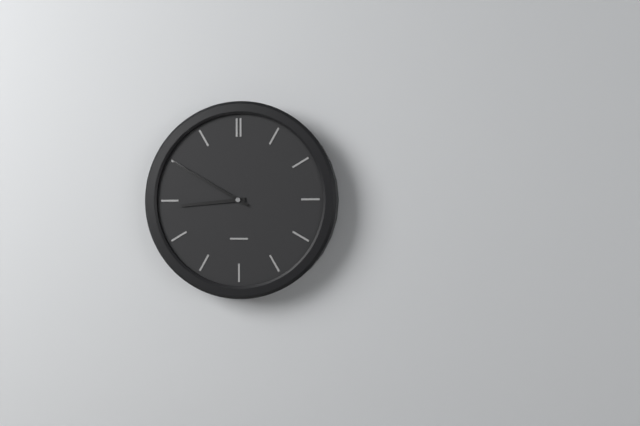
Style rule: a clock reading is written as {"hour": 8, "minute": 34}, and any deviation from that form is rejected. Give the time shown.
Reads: {"hour": 8, "minute": 50}
